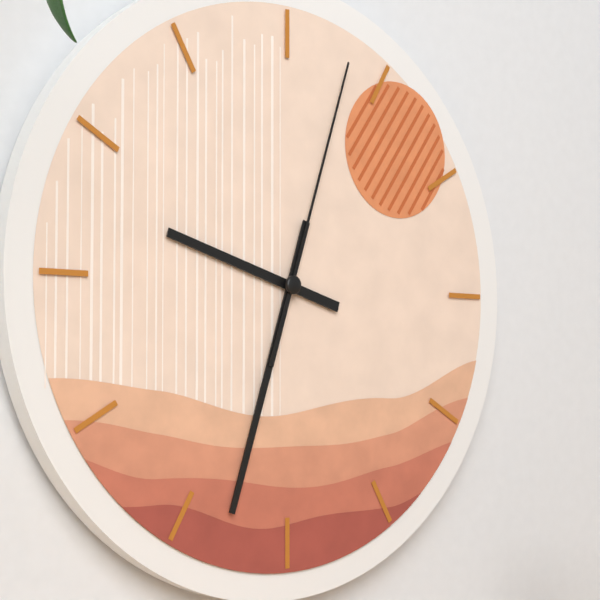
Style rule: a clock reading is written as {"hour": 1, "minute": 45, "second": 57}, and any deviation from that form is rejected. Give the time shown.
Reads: {"hour": 9, "minute": 33, "second": 3}
